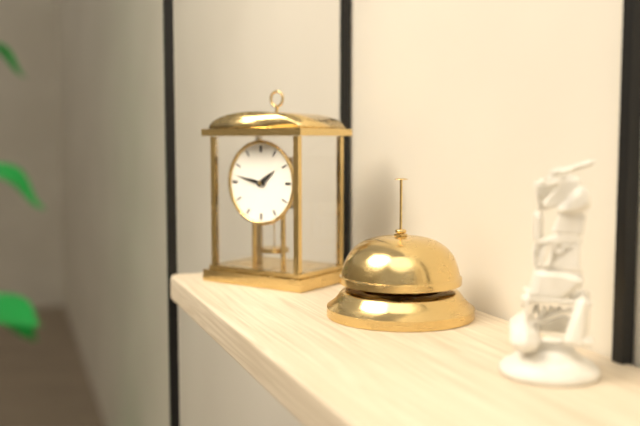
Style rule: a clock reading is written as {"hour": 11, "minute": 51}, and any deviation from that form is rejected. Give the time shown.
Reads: {"hour": 1, "minute": 47}
